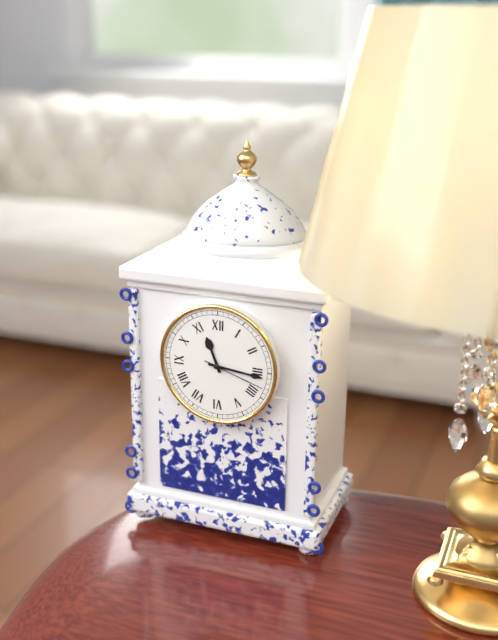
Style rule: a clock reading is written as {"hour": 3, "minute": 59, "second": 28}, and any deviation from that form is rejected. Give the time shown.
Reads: {"hour": 11, "minute": 16, "second": 18}
